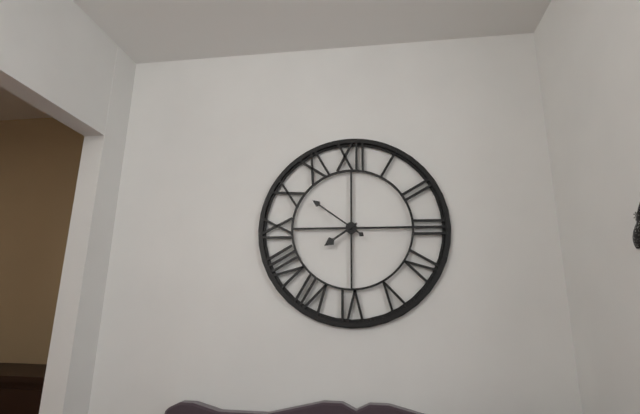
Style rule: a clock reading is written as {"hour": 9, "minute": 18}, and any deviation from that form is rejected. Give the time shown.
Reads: {"hour": 7, "minute": 51}
